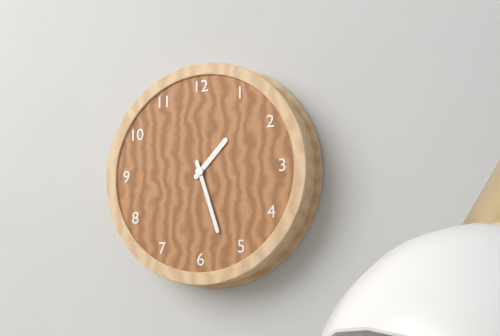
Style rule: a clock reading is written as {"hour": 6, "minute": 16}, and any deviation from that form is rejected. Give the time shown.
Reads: {"hour": 1, "minute": 27}
